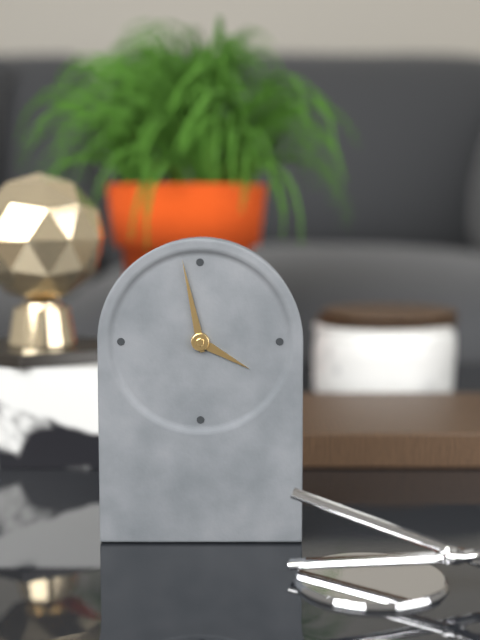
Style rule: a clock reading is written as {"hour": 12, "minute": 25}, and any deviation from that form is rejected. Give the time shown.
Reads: {"hour": 3, "minute": 58}
